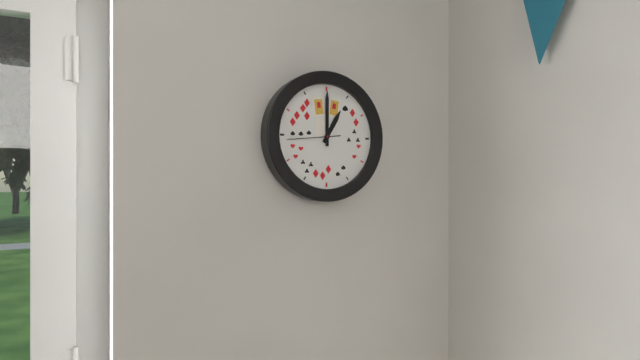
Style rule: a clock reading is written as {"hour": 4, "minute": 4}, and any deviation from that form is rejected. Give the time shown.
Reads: {"hour": 1, "minute": 0}
